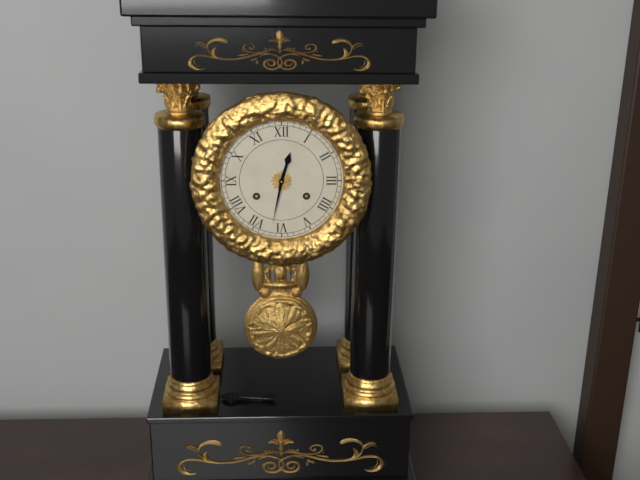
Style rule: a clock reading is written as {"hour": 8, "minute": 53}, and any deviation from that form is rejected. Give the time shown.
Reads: {"hour": 12, "minute": 32}
